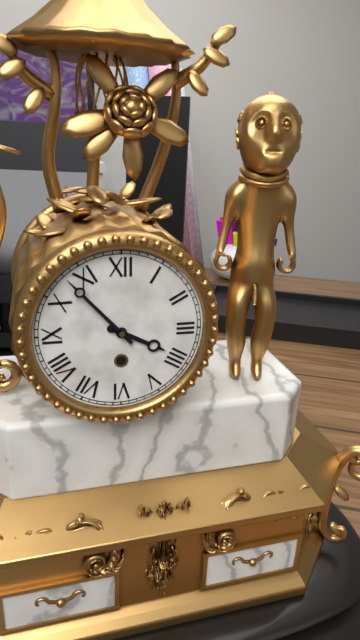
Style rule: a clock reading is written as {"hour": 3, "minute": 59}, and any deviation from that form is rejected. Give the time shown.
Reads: {"hour": 3, "minute": 53}
